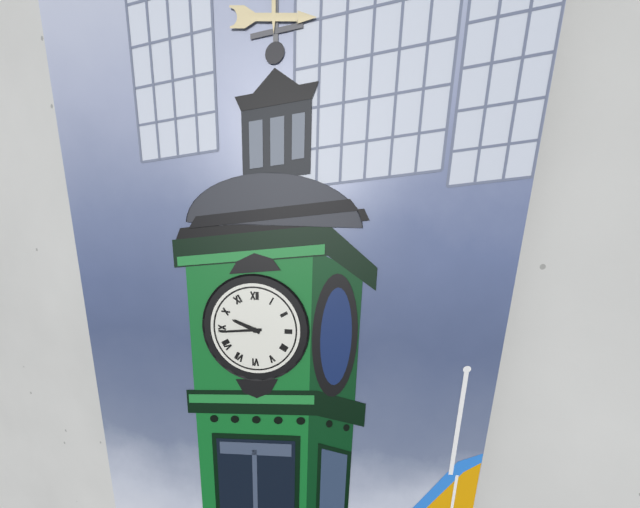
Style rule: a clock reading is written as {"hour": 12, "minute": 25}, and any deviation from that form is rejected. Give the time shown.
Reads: {"hour": 9, "minute": 44}
